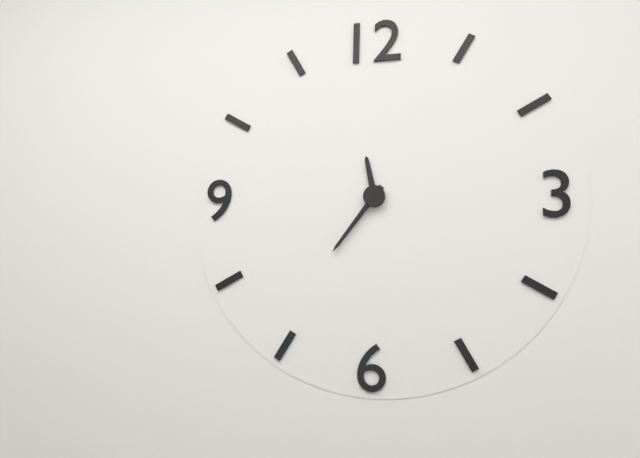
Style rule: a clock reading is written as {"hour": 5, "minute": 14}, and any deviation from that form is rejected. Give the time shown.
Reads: {"hour": 11, "minute": 36}
